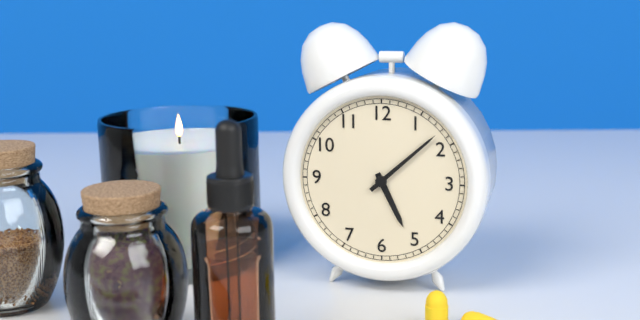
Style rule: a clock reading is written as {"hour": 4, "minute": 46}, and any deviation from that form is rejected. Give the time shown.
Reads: {"hour": 5, "minute": 8}
